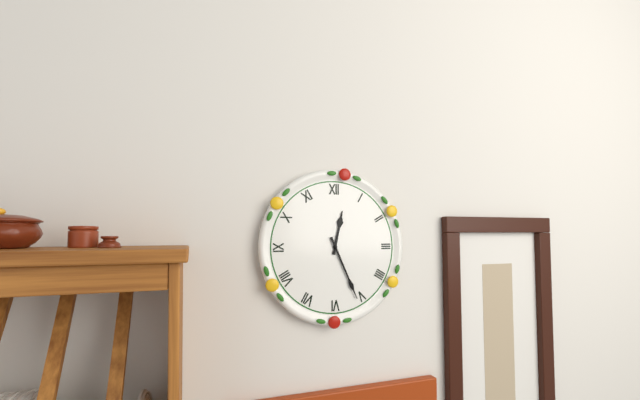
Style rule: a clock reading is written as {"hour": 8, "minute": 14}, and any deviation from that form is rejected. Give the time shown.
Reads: {"hour": 12, "minute": 26}
